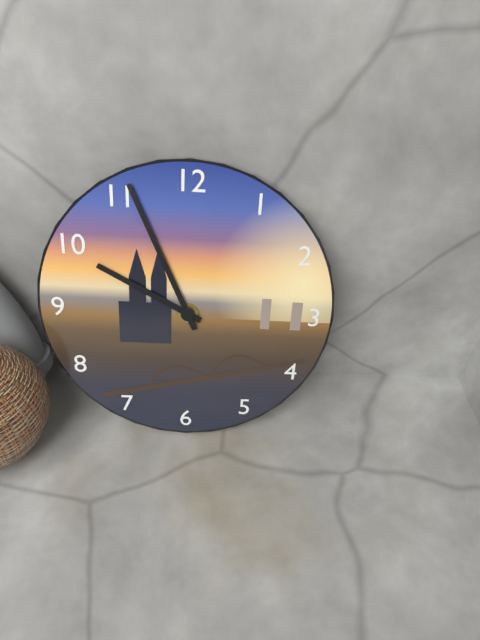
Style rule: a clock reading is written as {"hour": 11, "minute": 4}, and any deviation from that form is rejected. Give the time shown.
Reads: {"hour": 9, "minute": 56}
